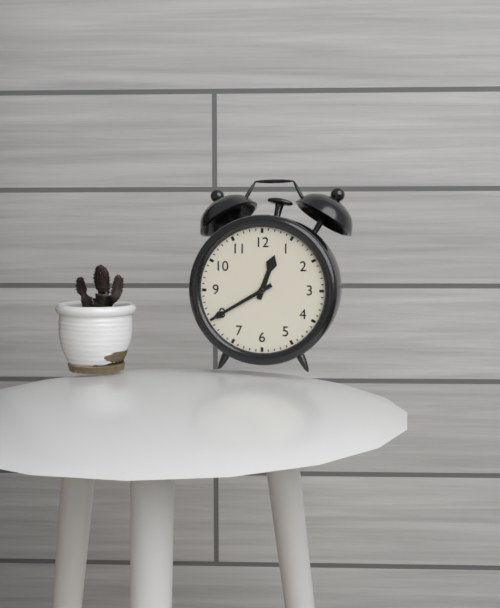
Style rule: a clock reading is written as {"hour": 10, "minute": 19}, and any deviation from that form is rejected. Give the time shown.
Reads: {"hour": 12, "minute": 40}
